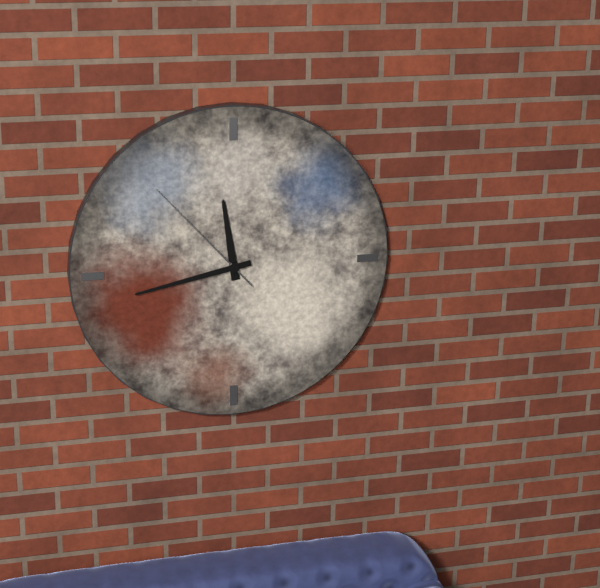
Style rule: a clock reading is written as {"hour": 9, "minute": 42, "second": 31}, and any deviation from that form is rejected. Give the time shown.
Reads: {"hour": 11, "minute": 43, "second": 53}
